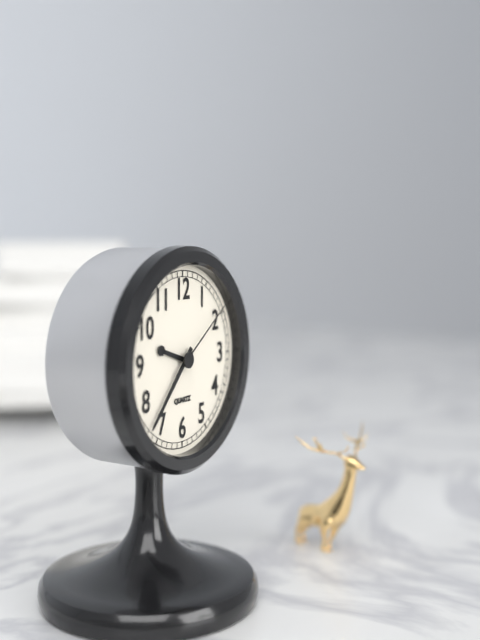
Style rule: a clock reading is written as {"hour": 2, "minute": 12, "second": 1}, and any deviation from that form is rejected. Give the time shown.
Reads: {"hour": 9, "minute": 37, "second": 9}
